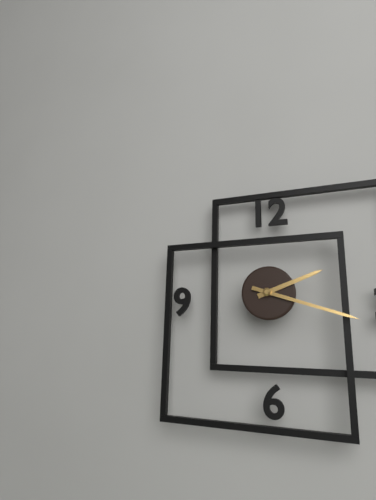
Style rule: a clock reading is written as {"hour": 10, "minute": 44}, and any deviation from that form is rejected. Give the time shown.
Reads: {"hour": 2, "minute": 18}
